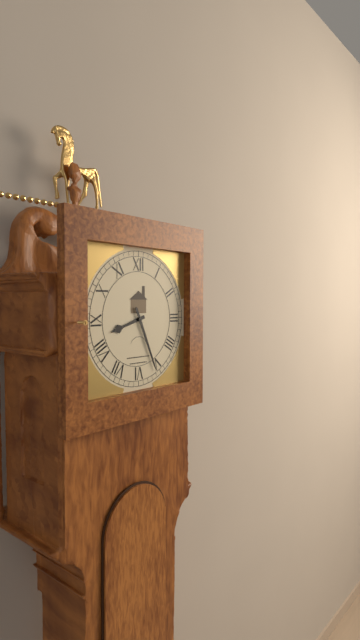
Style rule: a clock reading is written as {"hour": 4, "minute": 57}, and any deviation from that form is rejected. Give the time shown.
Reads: {"hour": 8, "minute": 26}
